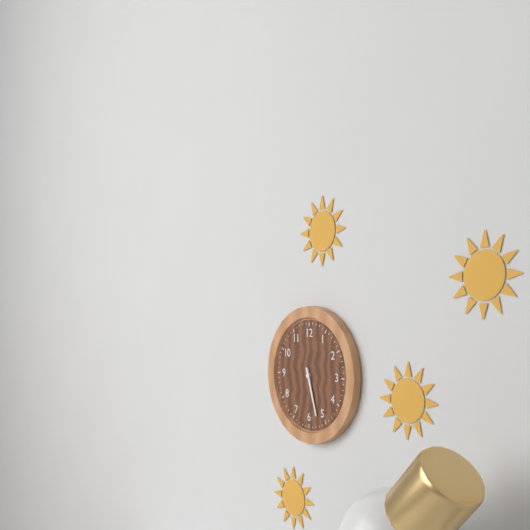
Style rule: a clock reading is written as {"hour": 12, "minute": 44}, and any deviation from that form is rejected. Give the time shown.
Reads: {"hour": 5, "minute": 27}
